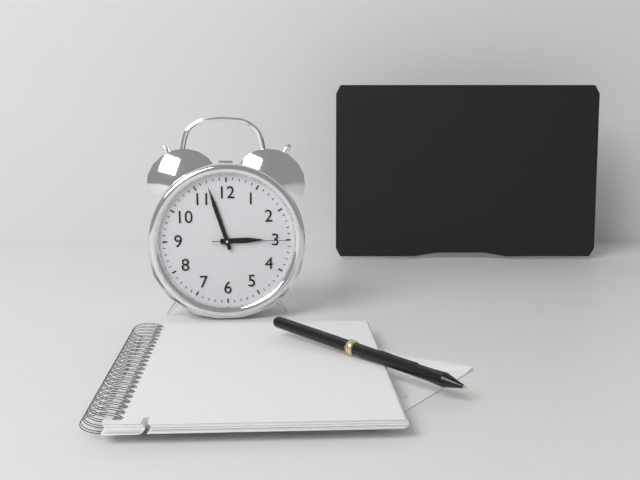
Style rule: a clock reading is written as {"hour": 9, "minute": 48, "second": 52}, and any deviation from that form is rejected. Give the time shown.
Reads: {"hour": 2, "minute": 57, "second": 15}
